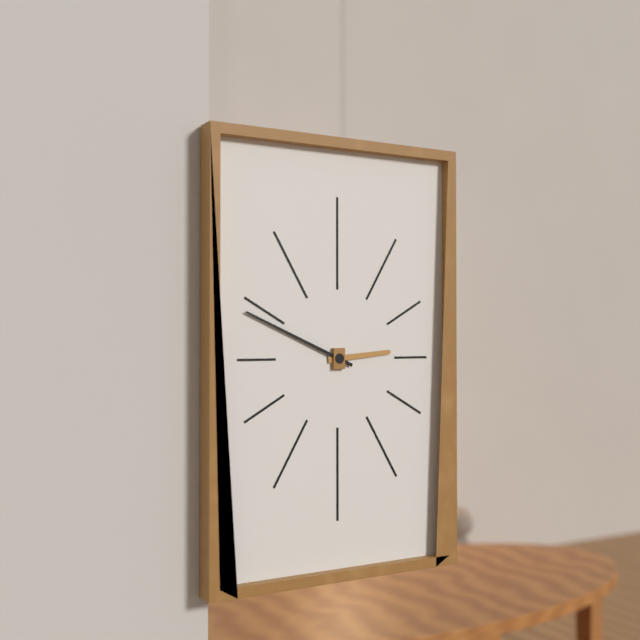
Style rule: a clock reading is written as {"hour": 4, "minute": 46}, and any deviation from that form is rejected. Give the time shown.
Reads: {"hour": 2, "minute": 49}
